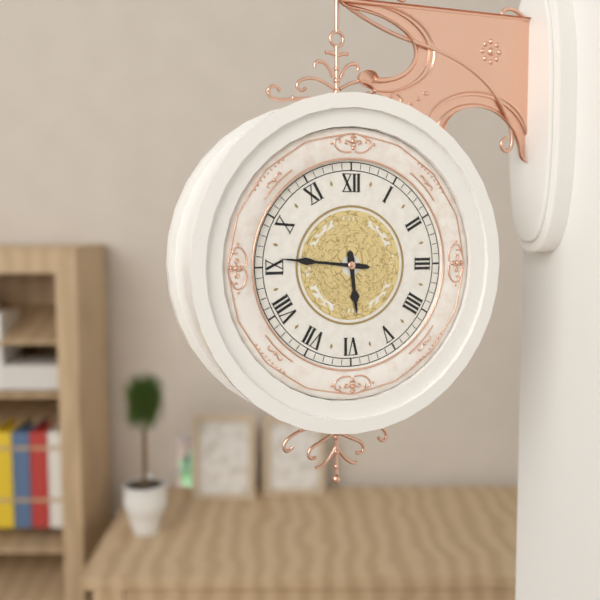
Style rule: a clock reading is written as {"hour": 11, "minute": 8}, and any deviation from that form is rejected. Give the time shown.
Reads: {"hour": 5, "minute": 46}
